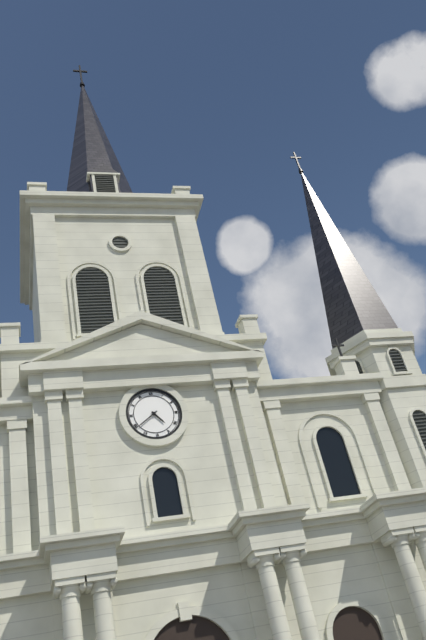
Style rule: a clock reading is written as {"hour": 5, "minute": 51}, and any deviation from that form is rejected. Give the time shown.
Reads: {"hour": 4, "minute": 39}
